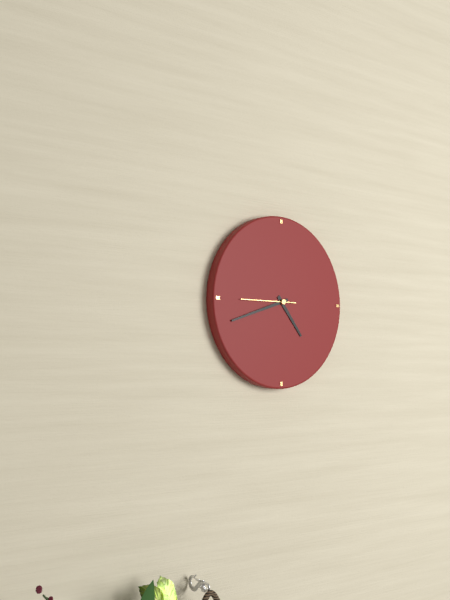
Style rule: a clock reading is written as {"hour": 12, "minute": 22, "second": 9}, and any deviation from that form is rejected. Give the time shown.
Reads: {"hour": 4, "minute": 42, "second": 45}
